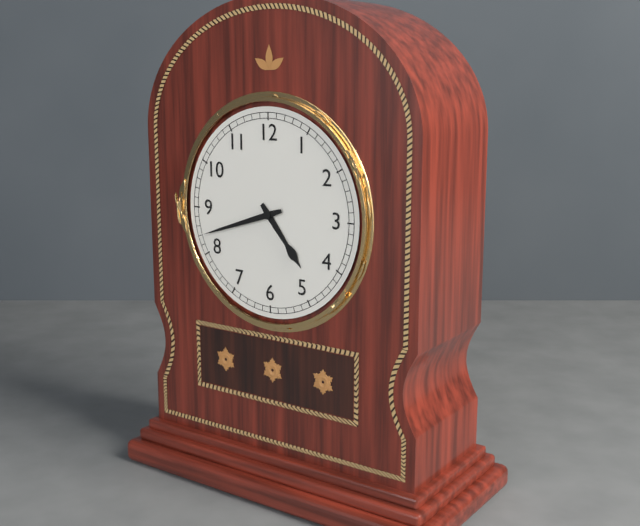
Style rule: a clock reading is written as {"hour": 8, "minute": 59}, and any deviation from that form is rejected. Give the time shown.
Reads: {"hour": 4, "minute": 42}
